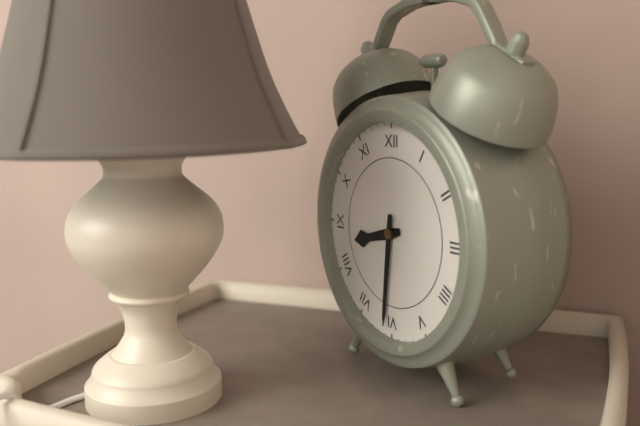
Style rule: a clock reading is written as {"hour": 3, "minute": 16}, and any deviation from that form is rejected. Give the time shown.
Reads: {"hour": 8, "minute": 31}
